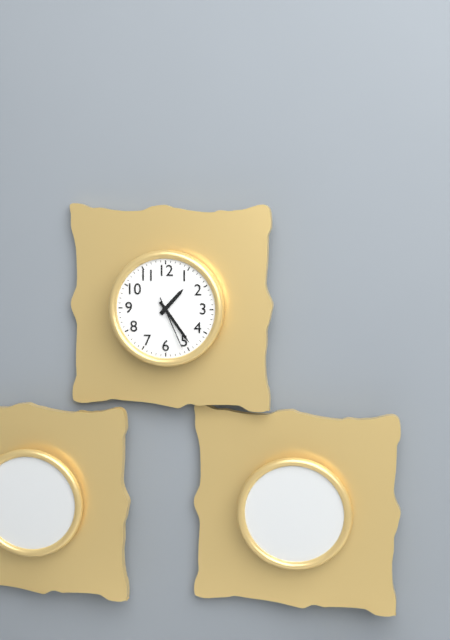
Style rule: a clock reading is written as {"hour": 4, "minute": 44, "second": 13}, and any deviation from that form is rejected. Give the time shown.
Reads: {"hour": 1, "minute": 24, "second": 26}
